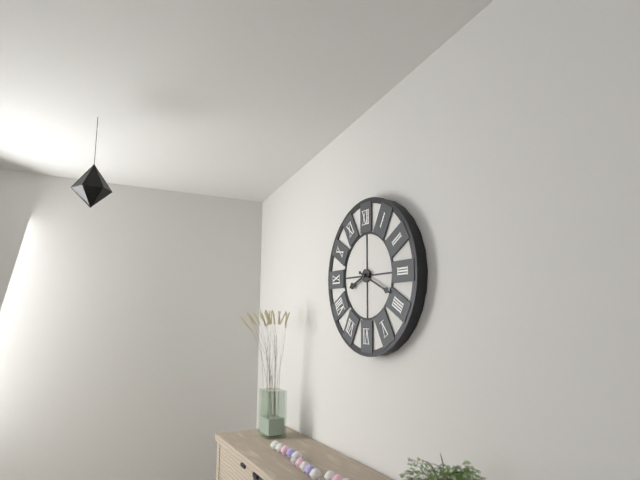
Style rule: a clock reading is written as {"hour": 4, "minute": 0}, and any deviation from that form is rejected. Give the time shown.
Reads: {"hour": 8, "minute": 19}
